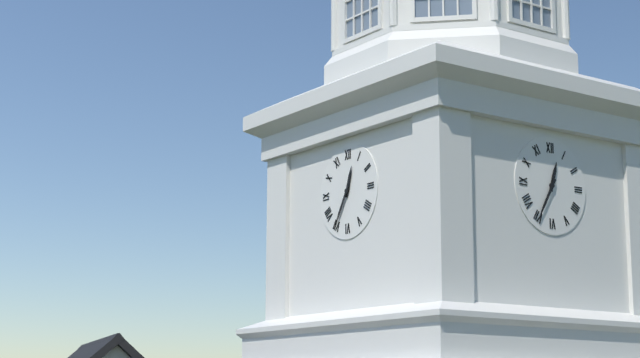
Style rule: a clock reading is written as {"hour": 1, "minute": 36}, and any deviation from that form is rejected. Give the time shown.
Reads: {"hour": 12, "minute": 35}
